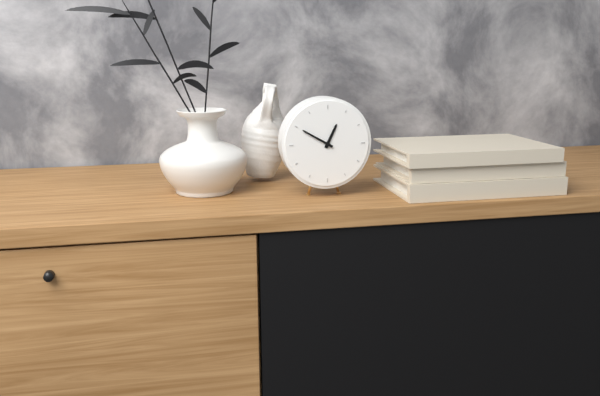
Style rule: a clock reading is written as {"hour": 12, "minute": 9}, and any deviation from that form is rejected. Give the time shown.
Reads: {"hour": 12, "minute": 50}
